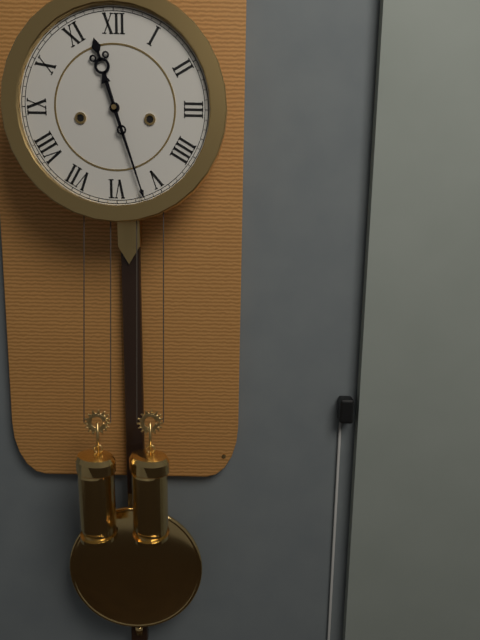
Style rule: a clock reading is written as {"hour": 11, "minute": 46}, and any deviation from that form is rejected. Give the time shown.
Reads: {"hour": 11, "minute": 27}
